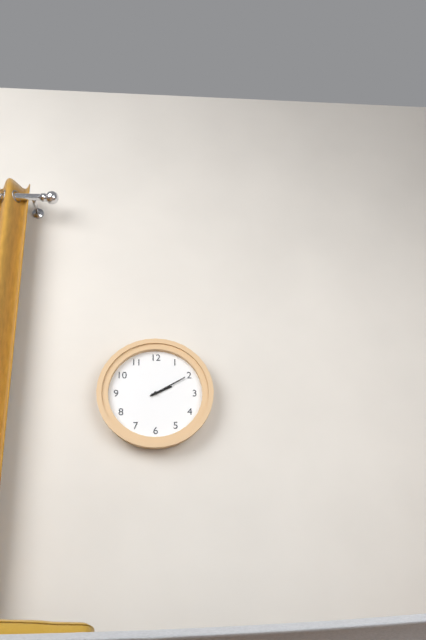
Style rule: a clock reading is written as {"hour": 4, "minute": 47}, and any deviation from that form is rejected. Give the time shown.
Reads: {"hour": 2, "minute": 10}
